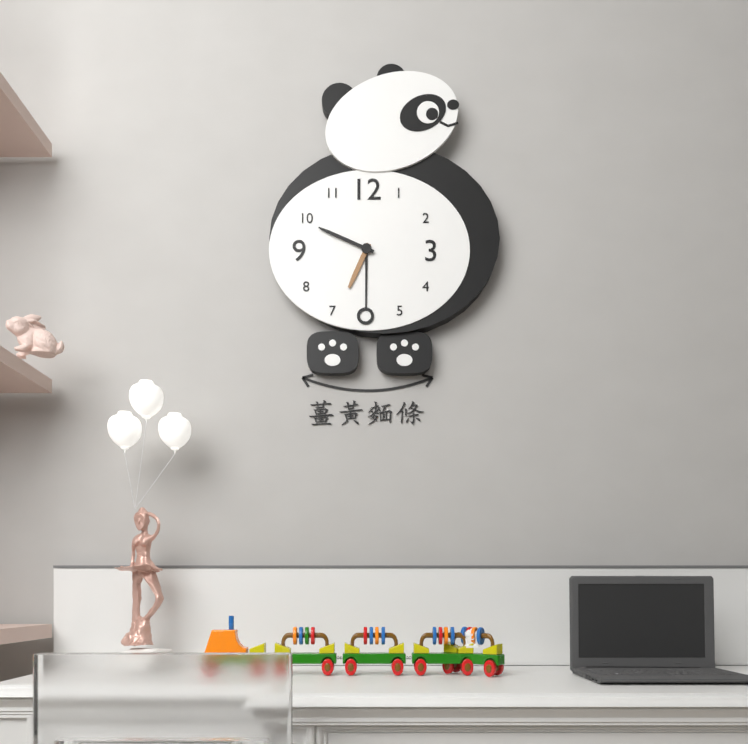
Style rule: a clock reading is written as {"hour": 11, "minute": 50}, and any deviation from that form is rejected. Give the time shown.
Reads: {"hour": 6, "minute": 49}
